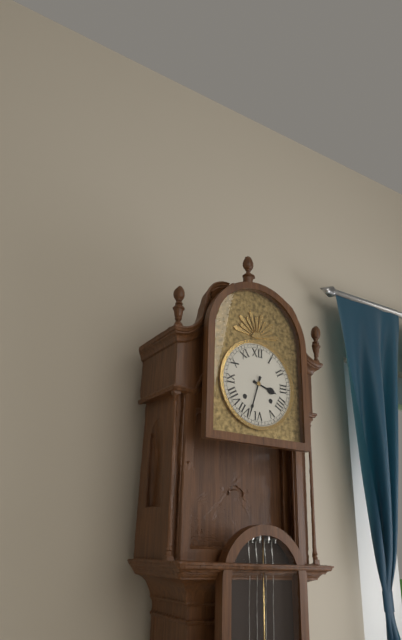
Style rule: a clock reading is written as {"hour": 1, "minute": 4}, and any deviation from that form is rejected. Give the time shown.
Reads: {"hour": 3, "minute": 33}
